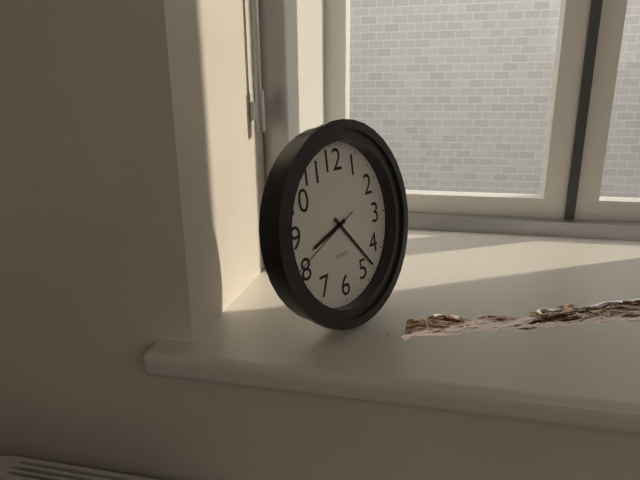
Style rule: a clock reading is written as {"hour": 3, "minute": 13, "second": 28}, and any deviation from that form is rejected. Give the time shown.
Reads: {"hour": 8, "minute": 23, "second": 41}
